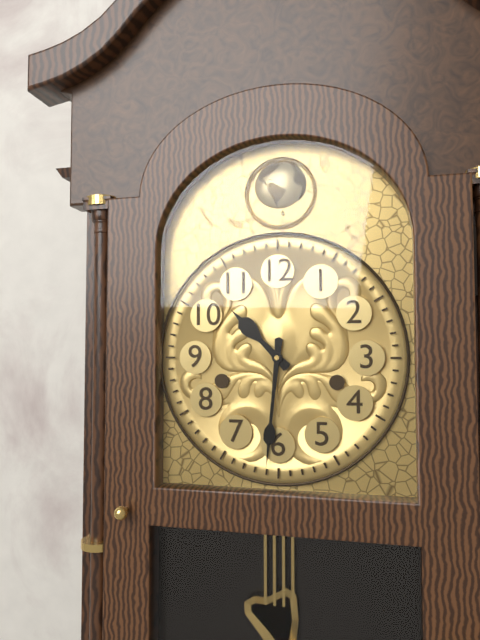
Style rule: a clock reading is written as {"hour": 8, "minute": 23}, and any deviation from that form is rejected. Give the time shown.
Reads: {"hour": 10, "minute": 31}
